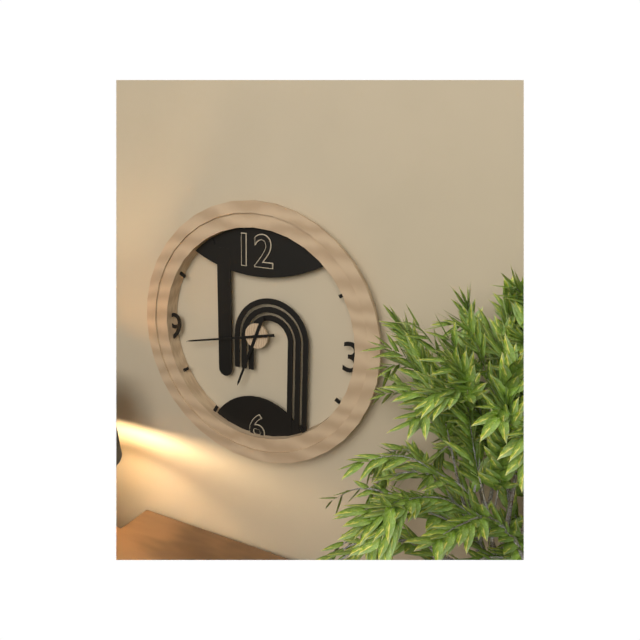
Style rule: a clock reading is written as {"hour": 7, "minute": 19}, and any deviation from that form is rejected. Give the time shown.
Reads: {"hour": 6, "minute": 43}
